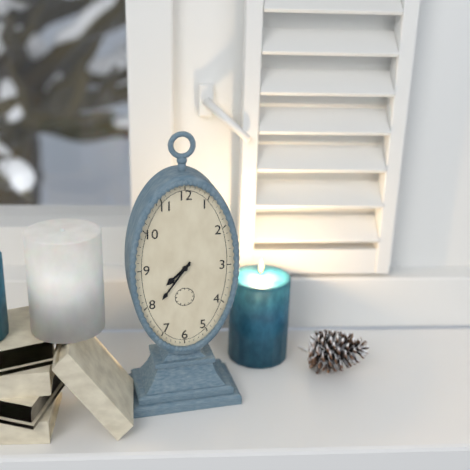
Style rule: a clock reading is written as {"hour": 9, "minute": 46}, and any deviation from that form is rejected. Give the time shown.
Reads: {"hour": 7, "minute": 36}
